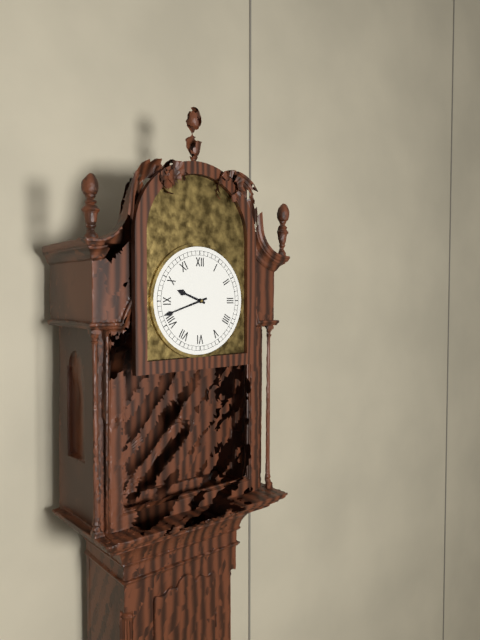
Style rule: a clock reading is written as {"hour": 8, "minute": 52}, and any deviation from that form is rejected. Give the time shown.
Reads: {"hour": 9, "minute": 42}
